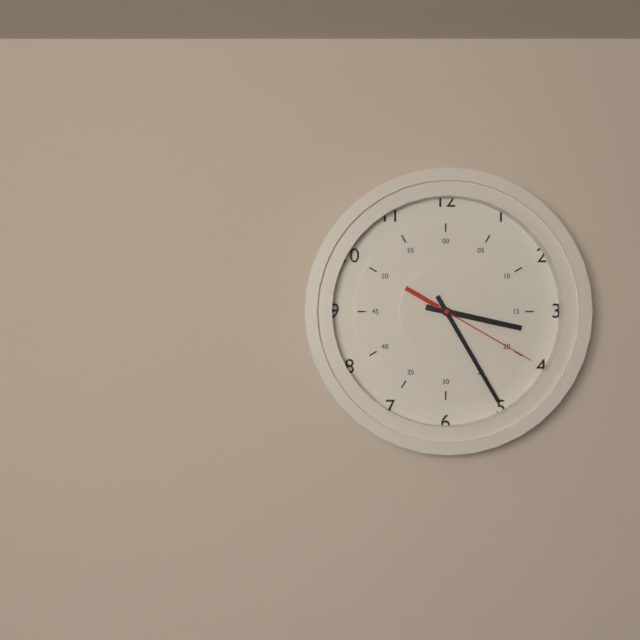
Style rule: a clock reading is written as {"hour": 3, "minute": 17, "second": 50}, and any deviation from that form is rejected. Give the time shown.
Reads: {"hour": 3, "minute": 25, "second": 20}
